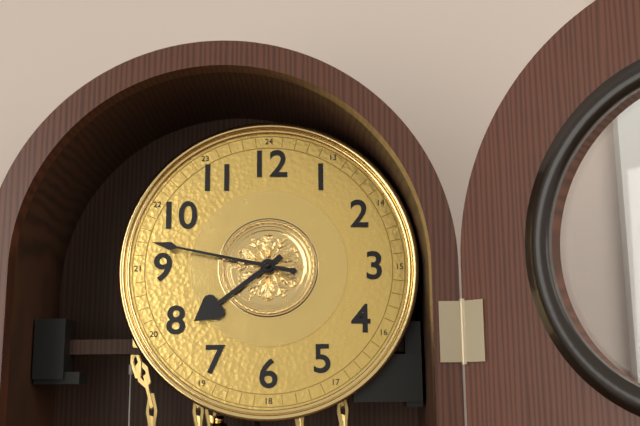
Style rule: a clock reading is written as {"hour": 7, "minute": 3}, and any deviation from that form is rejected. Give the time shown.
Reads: {"hour": 7, "minute": 47}
